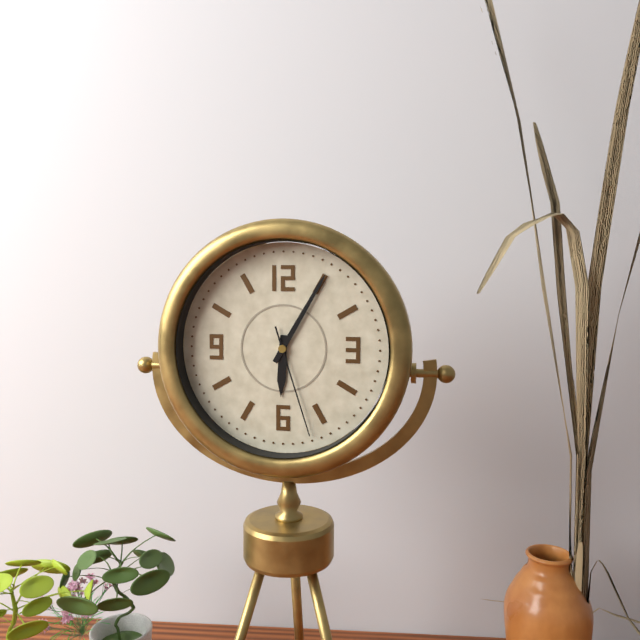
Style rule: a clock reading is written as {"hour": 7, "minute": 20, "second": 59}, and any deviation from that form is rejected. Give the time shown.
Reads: {"hour": 6, "minute": 5, "second": 27}
